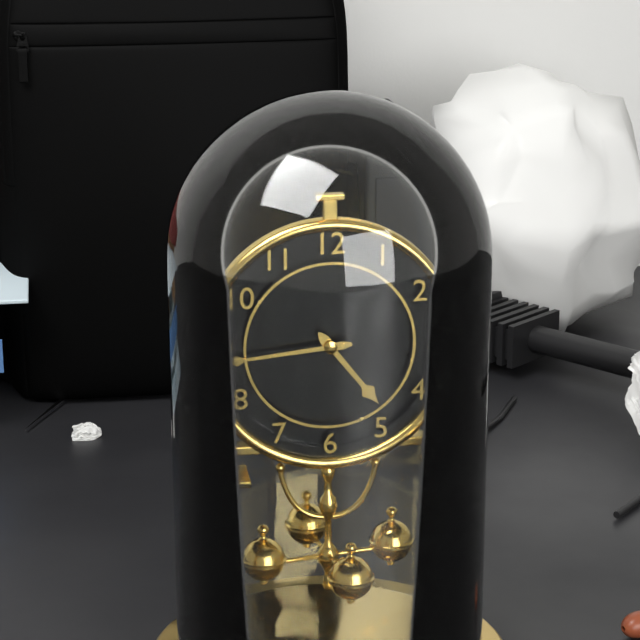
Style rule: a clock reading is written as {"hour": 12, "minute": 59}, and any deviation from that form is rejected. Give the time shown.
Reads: {"hour": 4, "minute": 44}
